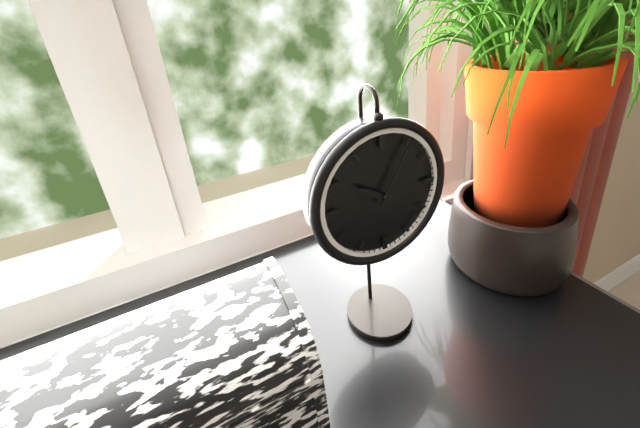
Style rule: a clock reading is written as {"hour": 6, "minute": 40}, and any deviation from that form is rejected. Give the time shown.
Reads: {"hour": 10, "minute": 5}
